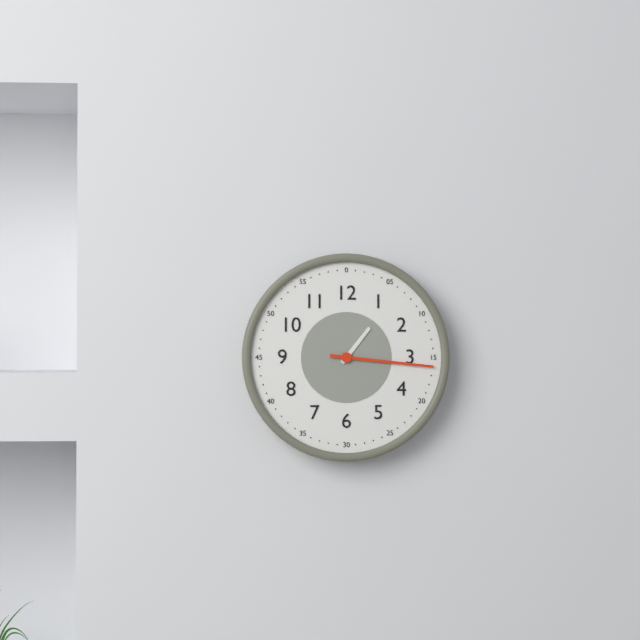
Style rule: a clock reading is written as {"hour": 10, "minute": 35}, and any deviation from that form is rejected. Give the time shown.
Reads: {"hour": 1, "minute": 16}
